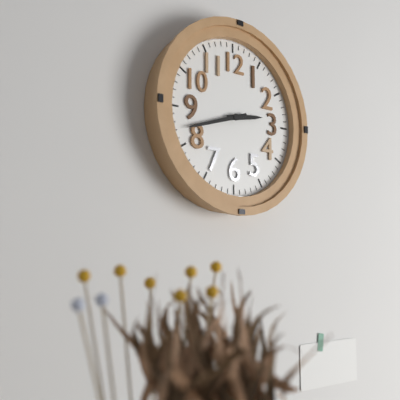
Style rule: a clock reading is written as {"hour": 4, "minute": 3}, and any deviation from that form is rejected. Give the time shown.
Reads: {"hour": 2, "minute": 42}
